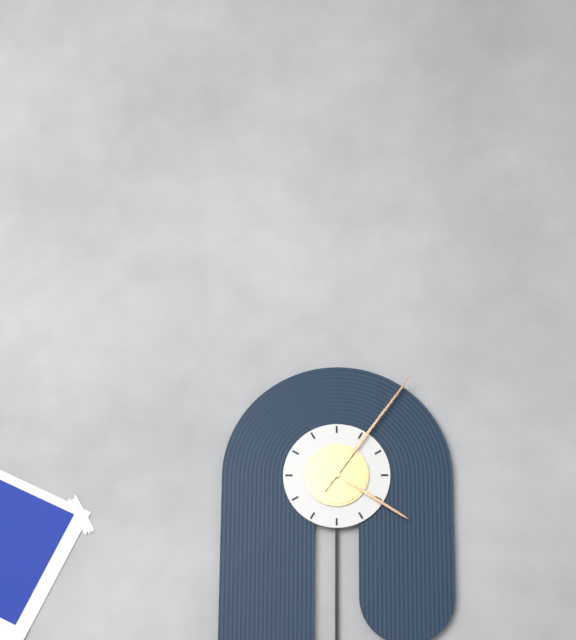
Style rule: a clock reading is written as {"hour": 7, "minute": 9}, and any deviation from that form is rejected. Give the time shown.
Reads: {"hour": 4, "minute": 6}
